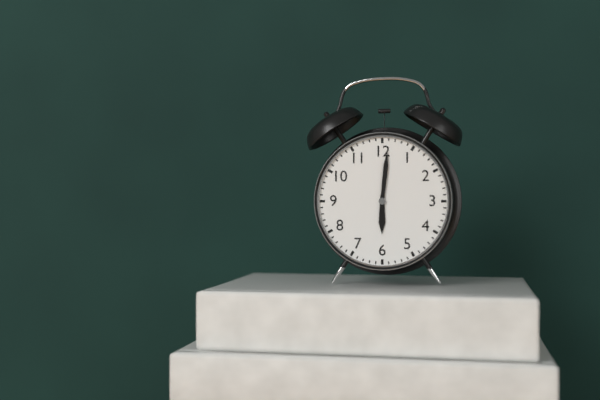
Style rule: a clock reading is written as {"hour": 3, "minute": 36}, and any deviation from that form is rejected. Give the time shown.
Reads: {"hour": 6, "minute": 1}
